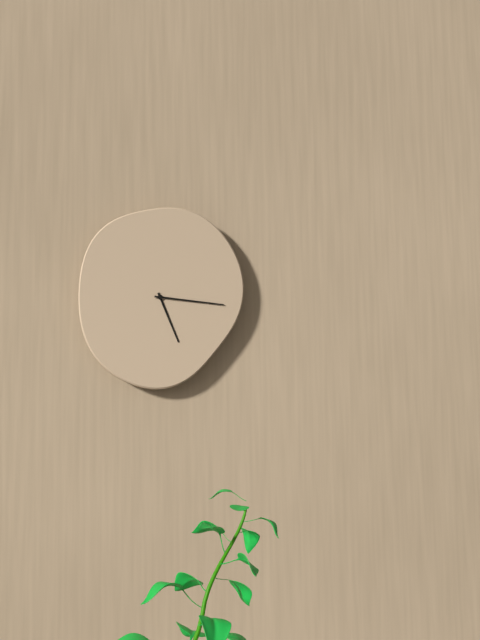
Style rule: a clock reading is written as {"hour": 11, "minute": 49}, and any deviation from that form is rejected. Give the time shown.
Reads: {"hour": 5, "minute": 16}
